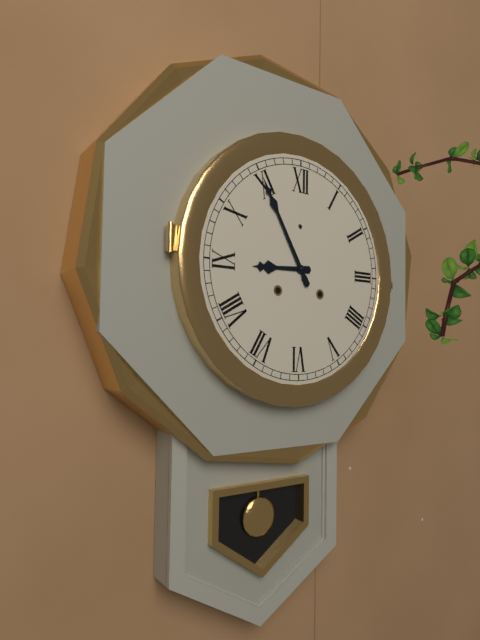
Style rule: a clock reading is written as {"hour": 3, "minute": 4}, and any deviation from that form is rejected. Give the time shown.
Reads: {"hour": 8, "minute": 55}
